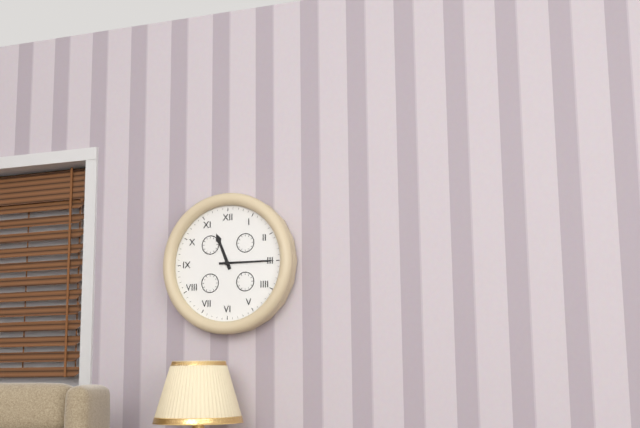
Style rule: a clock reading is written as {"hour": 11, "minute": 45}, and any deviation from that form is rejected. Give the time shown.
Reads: {"hour": 11, "minute": 15}
